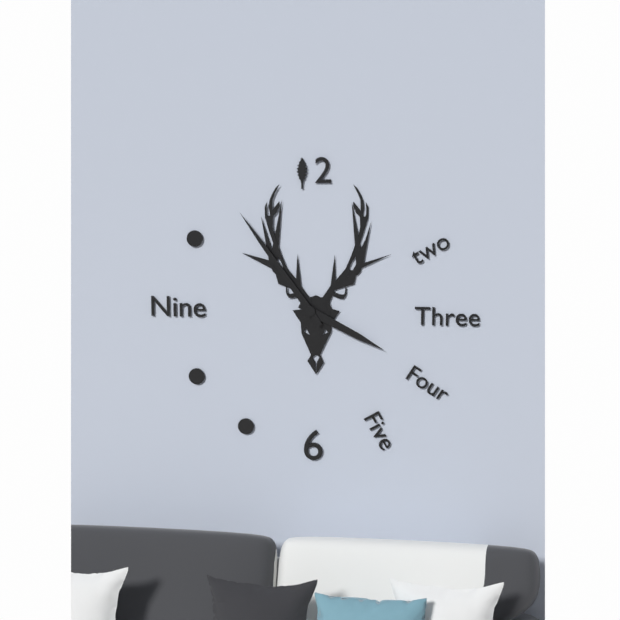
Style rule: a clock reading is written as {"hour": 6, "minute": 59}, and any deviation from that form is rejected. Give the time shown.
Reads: {"hour": 3, "minute": 54}
